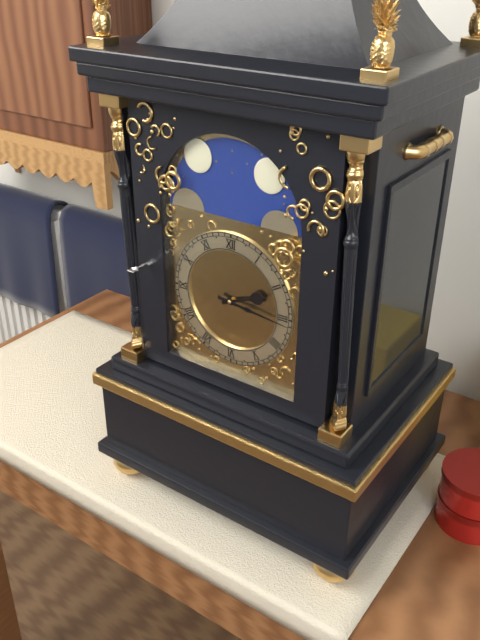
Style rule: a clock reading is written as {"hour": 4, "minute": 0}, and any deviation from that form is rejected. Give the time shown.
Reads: {"hour": 2, "minute": 16}
